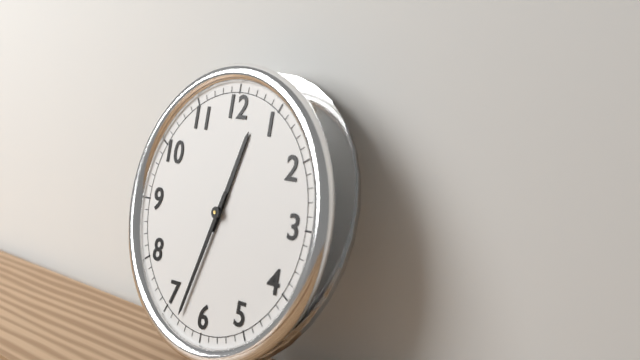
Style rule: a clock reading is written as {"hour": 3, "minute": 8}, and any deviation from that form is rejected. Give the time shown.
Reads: {"hour": 12, "minute": 33}
